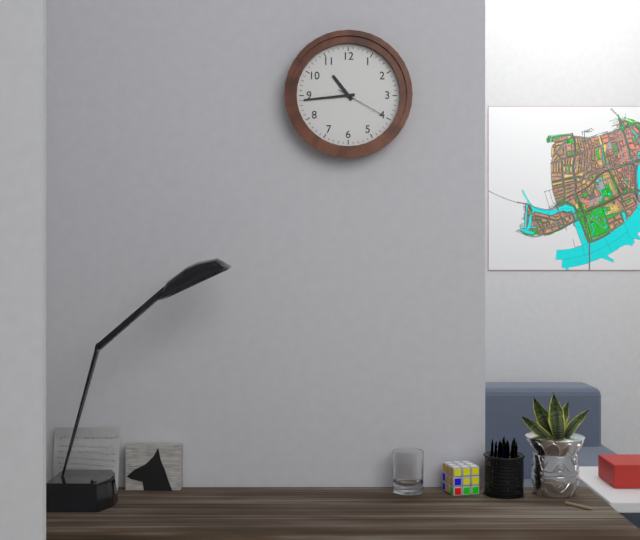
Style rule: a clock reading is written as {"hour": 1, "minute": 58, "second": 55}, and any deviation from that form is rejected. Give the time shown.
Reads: {"hour": 10, "minute": 44, "second": 20}
